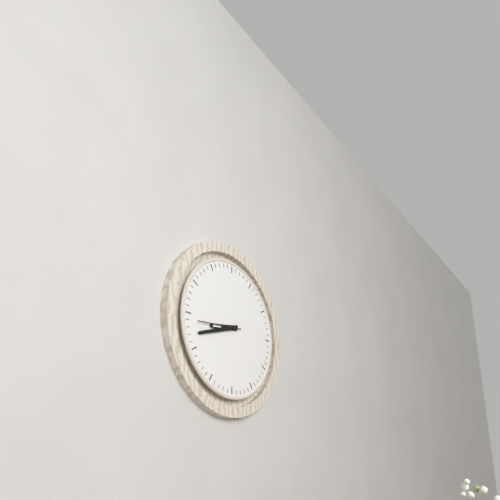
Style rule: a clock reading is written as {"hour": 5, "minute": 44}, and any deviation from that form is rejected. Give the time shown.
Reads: {"hour": 8, "minute": 42}
